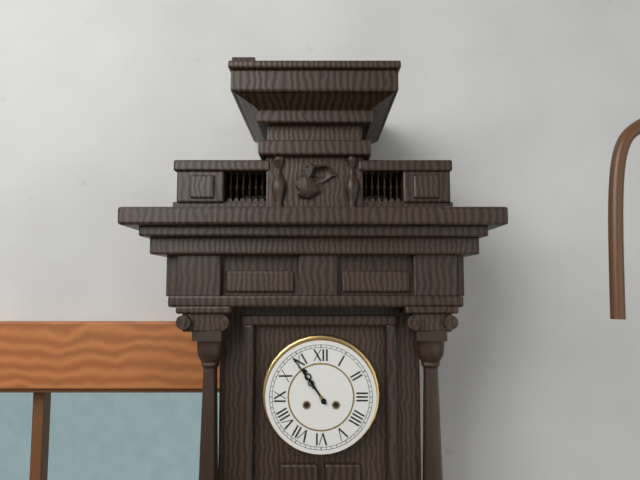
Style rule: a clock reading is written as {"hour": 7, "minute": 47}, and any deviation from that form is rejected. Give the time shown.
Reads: {"hour": 10, "minute": 54}
